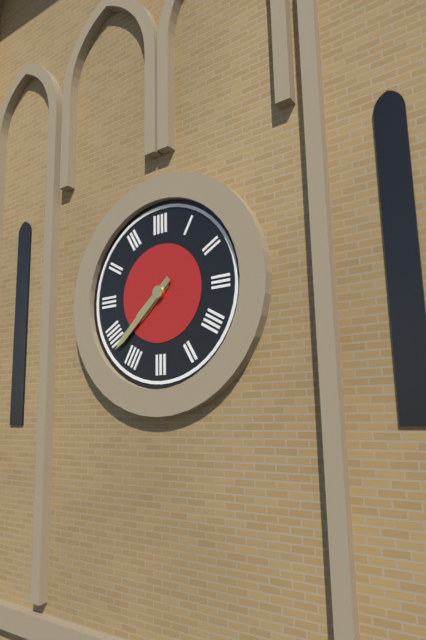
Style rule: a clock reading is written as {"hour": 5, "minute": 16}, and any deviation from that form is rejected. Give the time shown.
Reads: {"hour": 7, "minute": 38}
